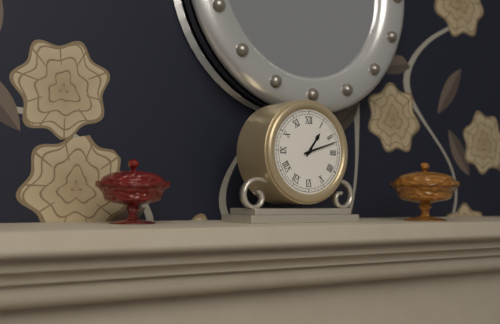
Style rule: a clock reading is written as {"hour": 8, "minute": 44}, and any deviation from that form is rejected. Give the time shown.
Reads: {"hour": 1, "minute": 12}
